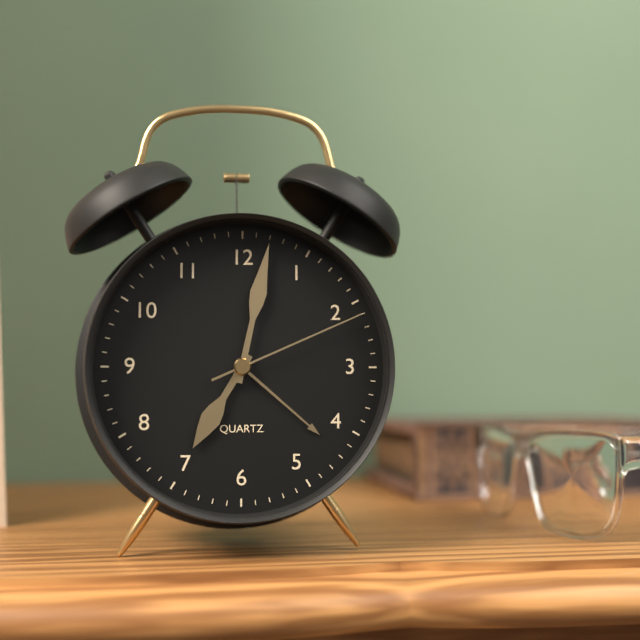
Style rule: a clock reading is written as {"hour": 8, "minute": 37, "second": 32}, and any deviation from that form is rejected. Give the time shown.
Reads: {"hour": 7, "minute": 2, "second": 11}
